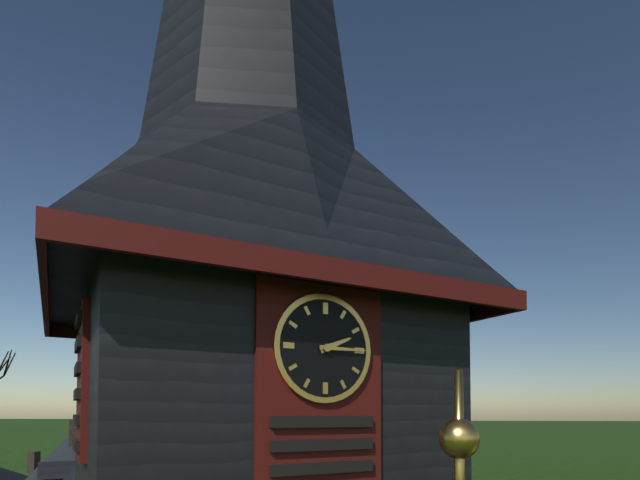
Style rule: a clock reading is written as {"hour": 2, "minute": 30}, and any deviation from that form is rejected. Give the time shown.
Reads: {"hour": 2, "minute": 15}
